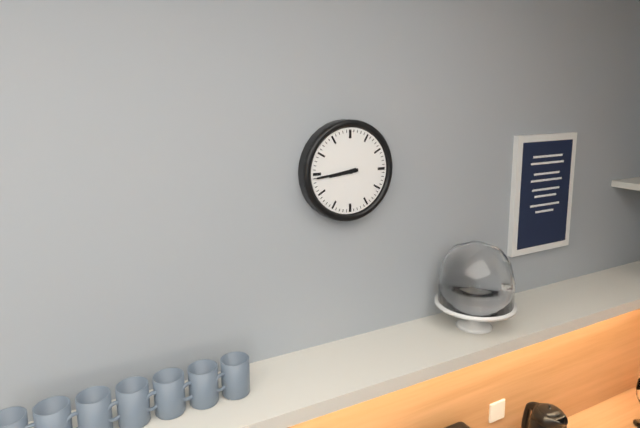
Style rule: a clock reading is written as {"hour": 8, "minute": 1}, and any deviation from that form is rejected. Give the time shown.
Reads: {"hour": 8, "minute": 44}
